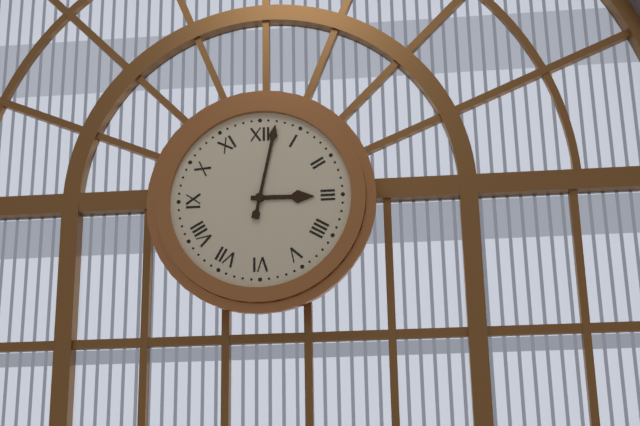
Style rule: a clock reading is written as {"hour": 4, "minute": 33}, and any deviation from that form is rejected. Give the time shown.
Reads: {"hour": 3, "minute": 2}
